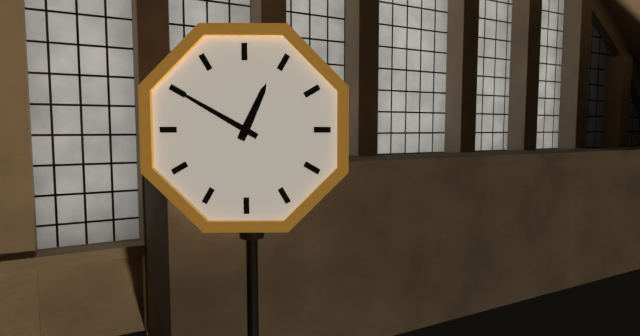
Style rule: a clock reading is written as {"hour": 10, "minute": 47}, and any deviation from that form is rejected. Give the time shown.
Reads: {"hour": 12, "minute": 50}
